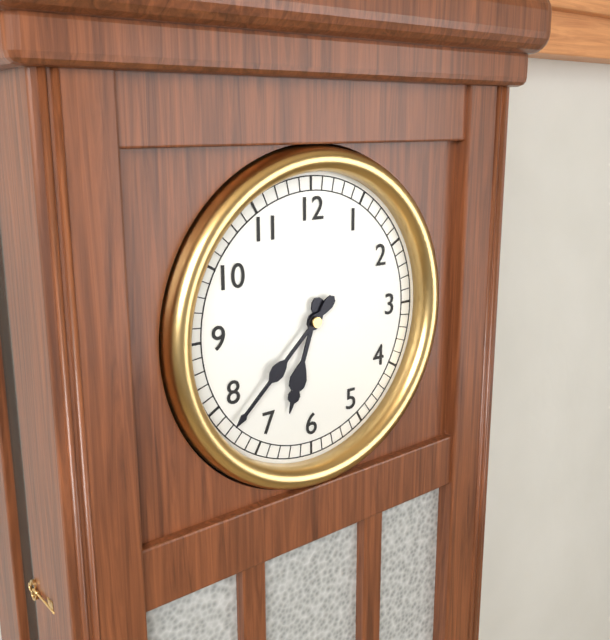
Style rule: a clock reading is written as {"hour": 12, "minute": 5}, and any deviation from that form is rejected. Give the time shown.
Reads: {"hour": 6, "minute": 38}
